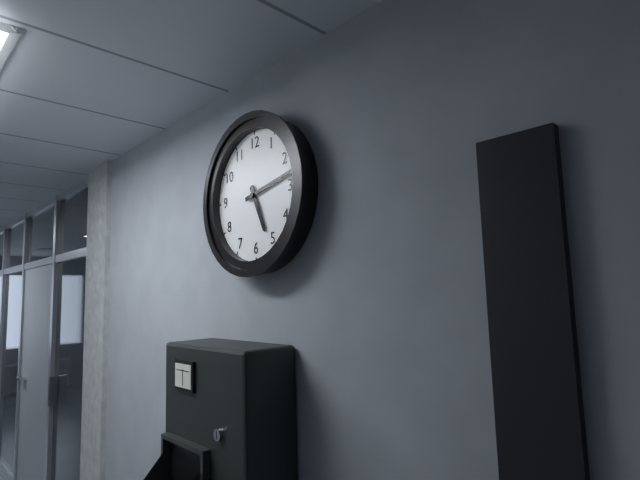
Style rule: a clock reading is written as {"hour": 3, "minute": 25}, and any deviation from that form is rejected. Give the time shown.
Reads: {"hour": 5, "minute": 13}
